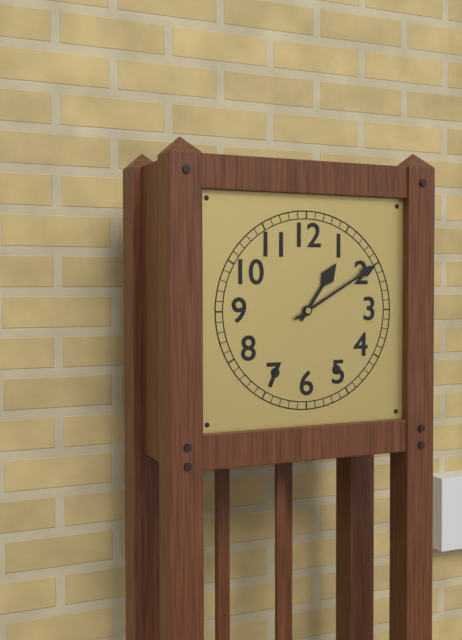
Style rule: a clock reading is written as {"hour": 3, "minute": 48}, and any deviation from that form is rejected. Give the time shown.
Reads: {"hour": 1, "minute": 10}
